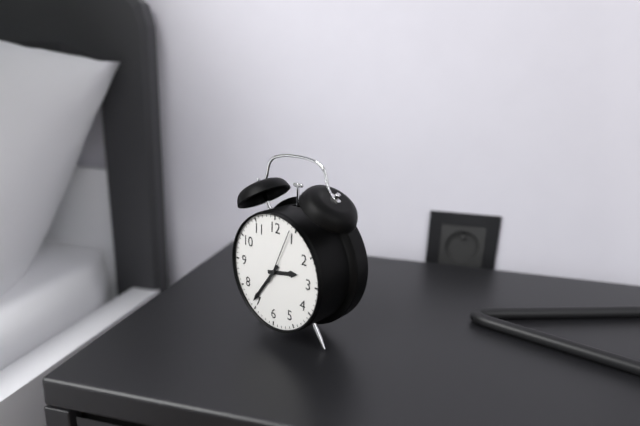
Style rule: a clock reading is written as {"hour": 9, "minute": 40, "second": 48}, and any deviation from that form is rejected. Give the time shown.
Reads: {"hour": 2, "minute": 36, "second": 4}
